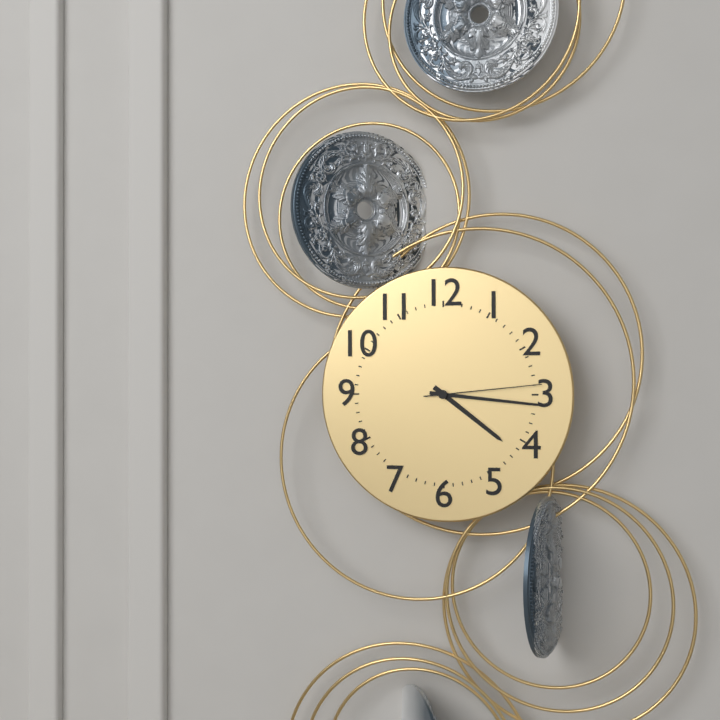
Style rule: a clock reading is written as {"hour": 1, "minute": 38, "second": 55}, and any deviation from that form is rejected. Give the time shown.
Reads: {"hour": 4, "minute": 16, "second": 14}
